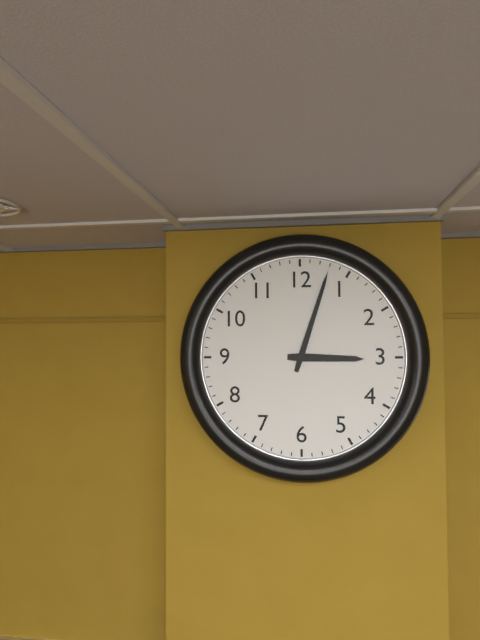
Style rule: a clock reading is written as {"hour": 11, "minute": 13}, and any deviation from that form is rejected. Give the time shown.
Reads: {"hour": 3, "minute": 3}
